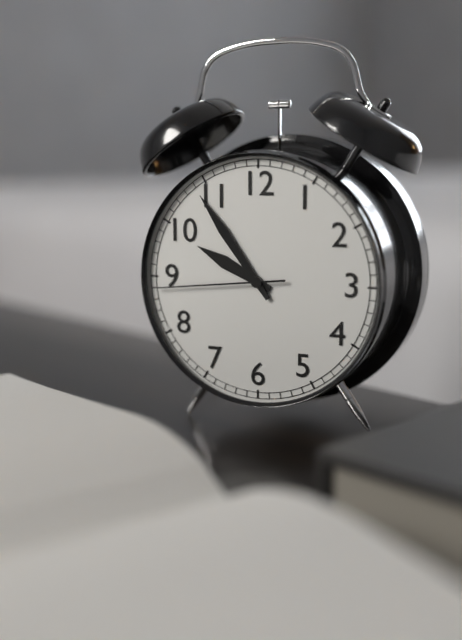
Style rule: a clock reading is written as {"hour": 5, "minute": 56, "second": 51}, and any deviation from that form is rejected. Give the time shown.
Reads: {"hour": 9, "minute": 54, "second": 44}
